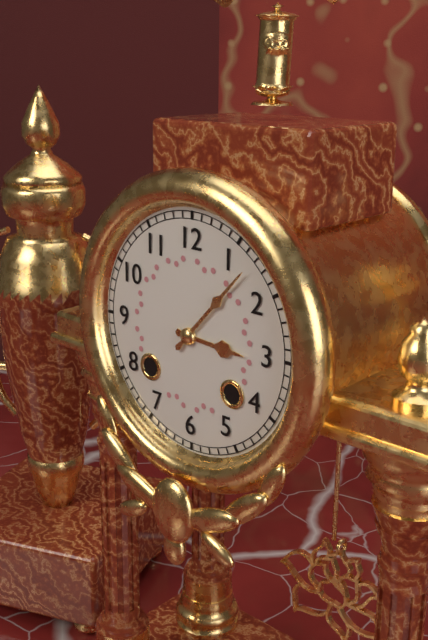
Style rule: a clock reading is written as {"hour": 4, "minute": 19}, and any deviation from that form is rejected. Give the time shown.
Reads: {"hour": 3, "minute": 7}
